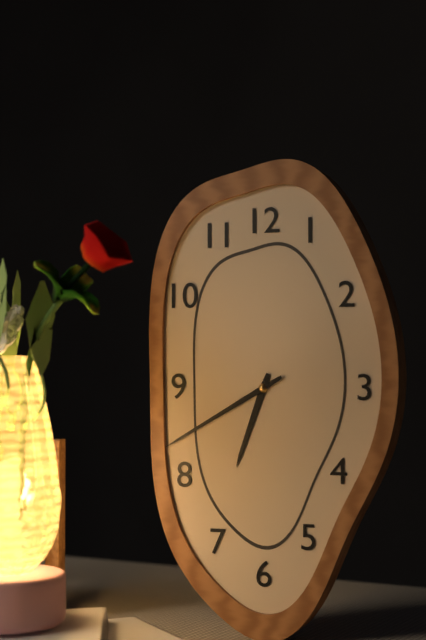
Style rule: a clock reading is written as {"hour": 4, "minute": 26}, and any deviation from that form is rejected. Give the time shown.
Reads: {"hour": 6, "minute": 40}
